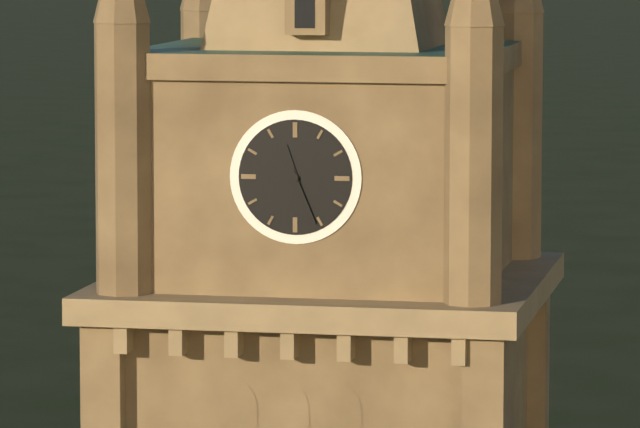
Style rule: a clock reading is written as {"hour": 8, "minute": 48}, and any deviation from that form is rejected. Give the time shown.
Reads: {"hour": 11, "minute": 26}
